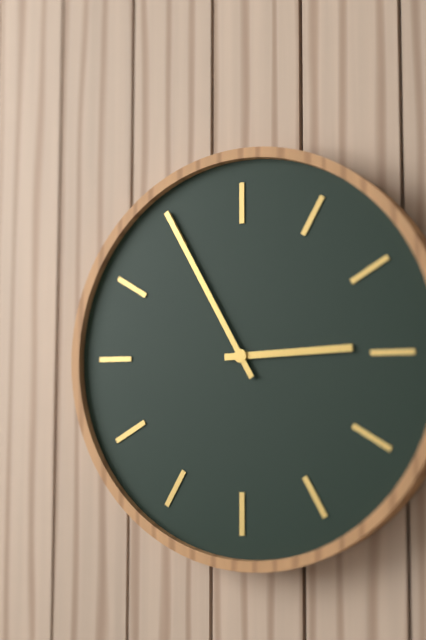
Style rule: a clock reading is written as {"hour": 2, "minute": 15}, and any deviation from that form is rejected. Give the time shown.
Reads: {"hour": 2, "minute": 55}
